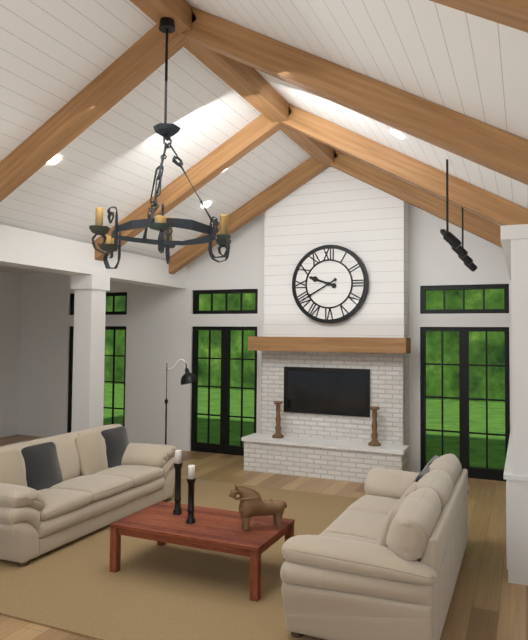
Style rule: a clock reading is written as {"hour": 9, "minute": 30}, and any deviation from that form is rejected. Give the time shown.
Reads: {"hour": 9, "minute": 40}
